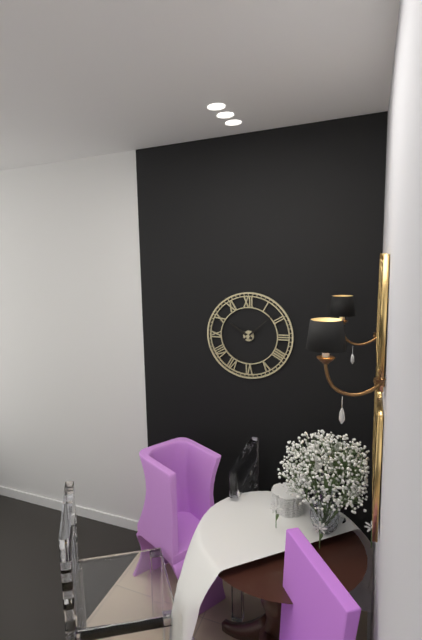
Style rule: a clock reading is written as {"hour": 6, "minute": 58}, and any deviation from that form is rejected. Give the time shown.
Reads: {"hour": 10, "minute": 8}
